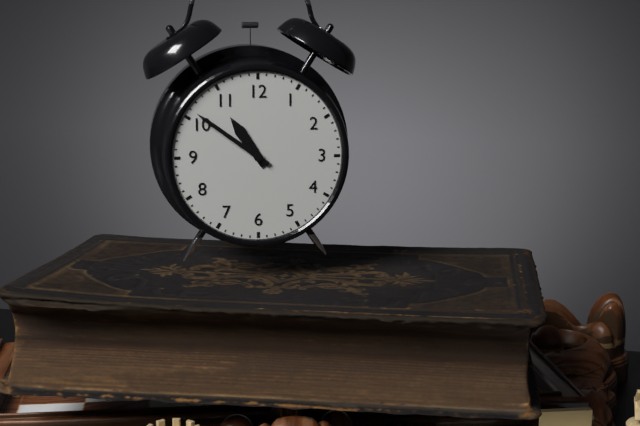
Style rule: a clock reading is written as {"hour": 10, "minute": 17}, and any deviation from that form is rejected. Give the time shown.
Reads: {"hour": 10, "minute": 51}
